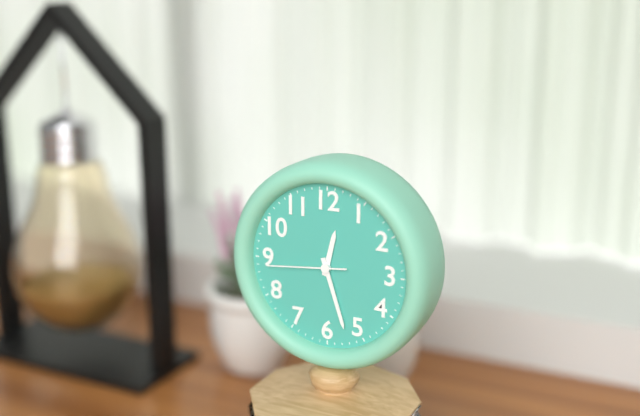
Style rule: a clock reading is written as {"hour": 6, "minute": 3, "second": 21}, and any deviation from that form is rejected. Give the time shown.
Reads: {"hour": 12, "minute": 27, "second": 44}
